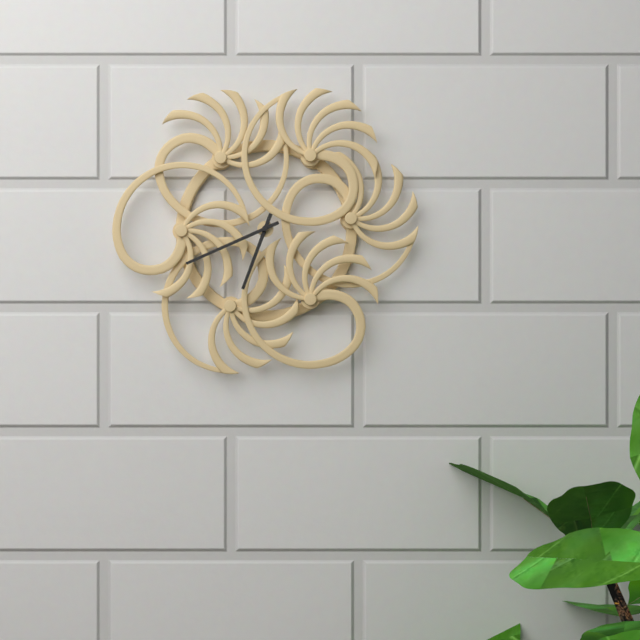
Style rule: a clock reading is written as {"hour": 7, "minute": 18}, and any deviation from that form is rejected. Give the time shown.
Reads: {"hour": 6, "minute": 41}
